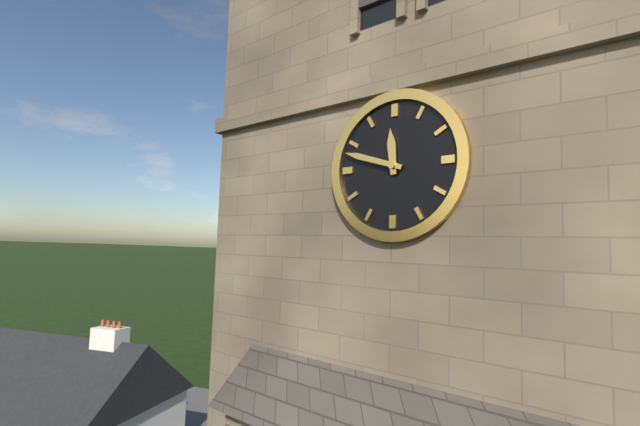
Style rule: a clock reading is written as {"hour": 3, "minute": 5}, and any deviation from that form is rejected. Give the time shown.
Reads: {"hour": 11, "minute": 48}
